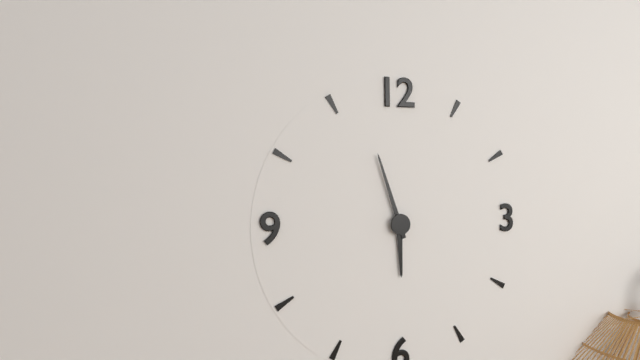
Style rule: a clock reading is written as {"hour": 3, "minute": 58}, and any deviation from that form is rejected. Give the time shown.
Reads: {"hour": 5, "minute": 57}
